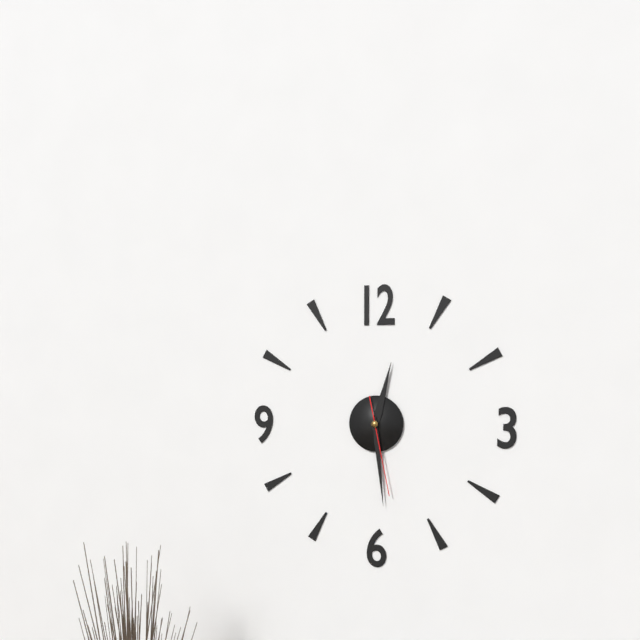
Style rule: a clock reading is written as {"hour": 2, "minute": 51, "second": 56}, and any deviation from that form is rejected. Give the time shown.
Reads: {"hour": 12, "minute": 29, "second": 28}
